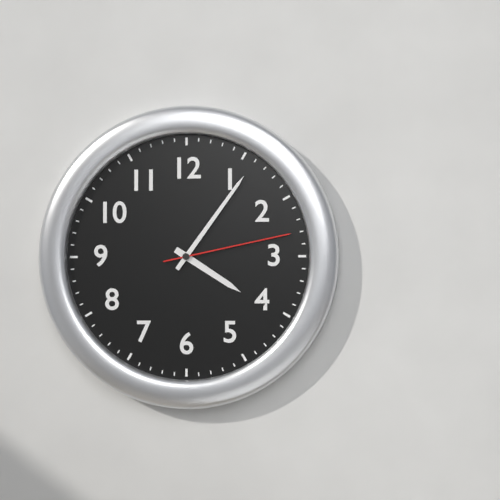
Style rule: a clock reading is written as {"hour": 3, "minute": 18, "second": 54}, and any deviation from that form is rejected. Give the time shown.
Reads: {"hour": 4, "minute": 6, "second": 13}
